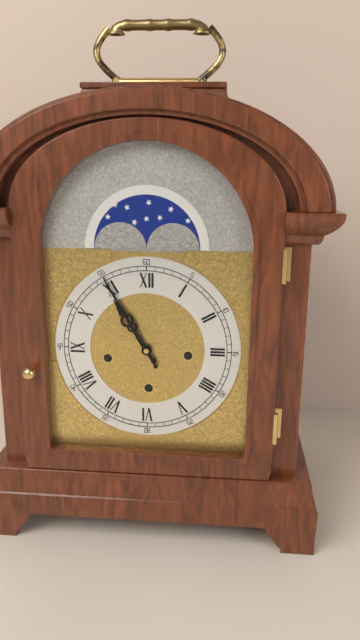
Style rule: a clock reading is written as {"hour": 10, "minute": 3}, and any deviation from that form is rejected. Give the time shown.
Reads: {"hour": 10, "minute": 55}
